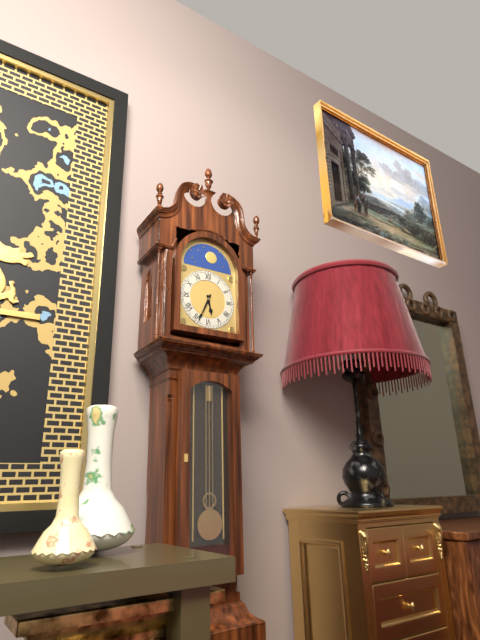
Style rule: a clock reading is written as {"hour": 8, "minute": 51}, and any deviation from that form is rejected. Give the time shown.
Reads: {"hour": 5, "minute": 34}
